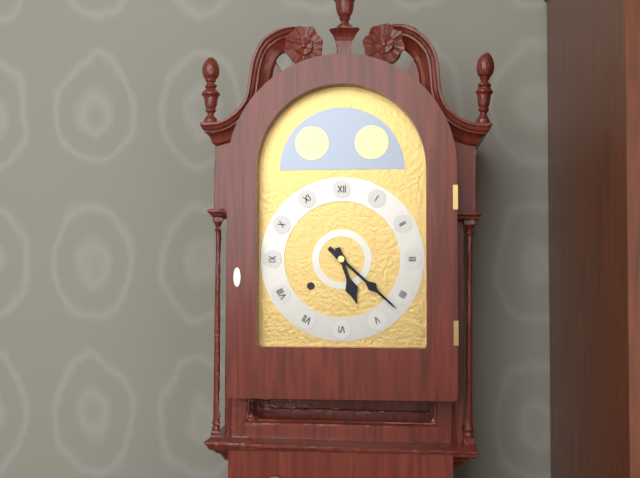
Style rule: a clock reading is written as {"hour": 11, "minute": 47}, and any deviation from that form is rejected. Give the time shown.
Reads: {"hour": 5, "minute": 22}
